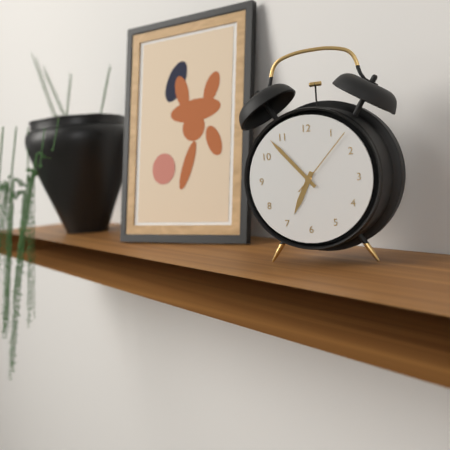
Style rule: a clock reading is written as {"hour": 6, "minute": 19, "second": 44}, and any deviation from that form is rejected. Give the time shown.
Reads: {"hour": 6, "minute": 53, "second": 7}
